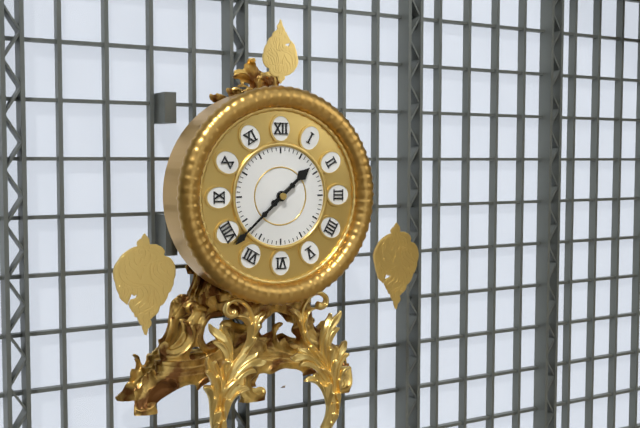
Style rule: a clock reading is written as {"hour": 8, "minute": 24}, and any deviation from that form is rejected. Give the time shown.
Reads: {"hour": 1, "minute": 38}
